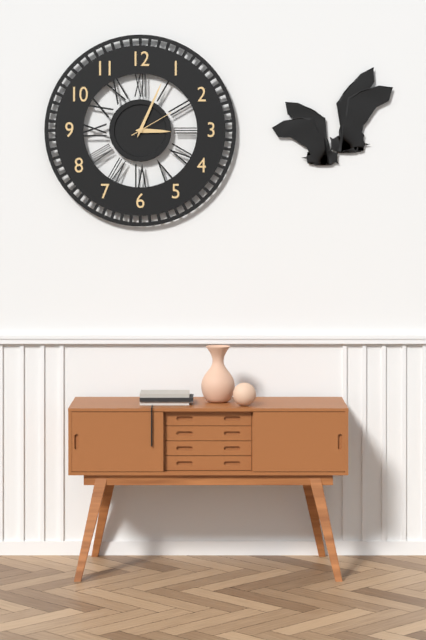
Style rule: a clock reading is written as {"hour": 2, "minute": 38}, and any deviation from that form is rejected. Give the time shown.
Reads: {"hour": 3, "minute": 4}
